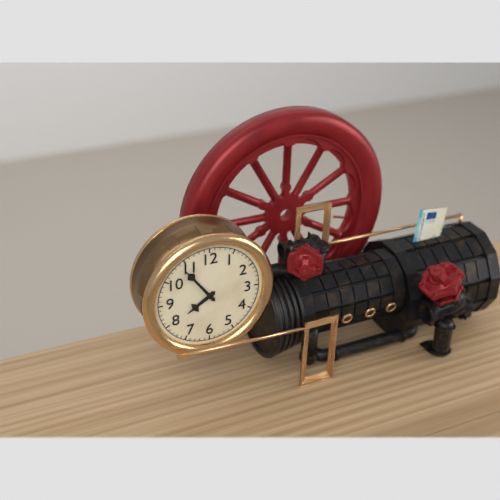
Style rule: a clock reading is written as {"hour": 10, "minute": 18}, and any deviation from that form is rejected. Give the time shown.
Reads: {"hour": 7, "minute": 54}
